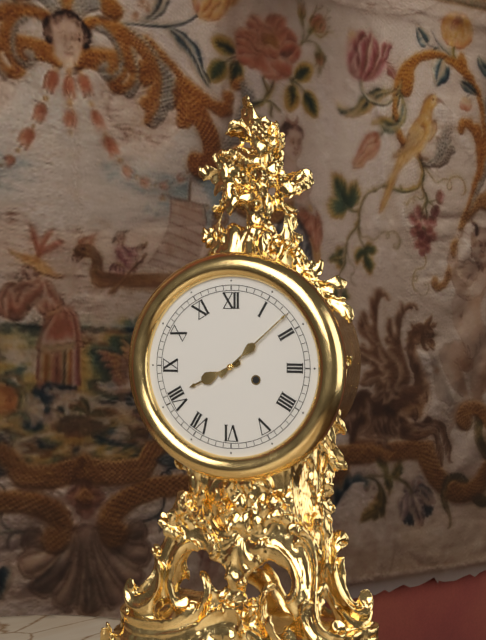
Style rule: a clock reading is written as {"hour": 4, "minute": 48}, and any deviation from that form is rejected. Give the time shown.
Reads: {"hour": 8, "minute": 8}
